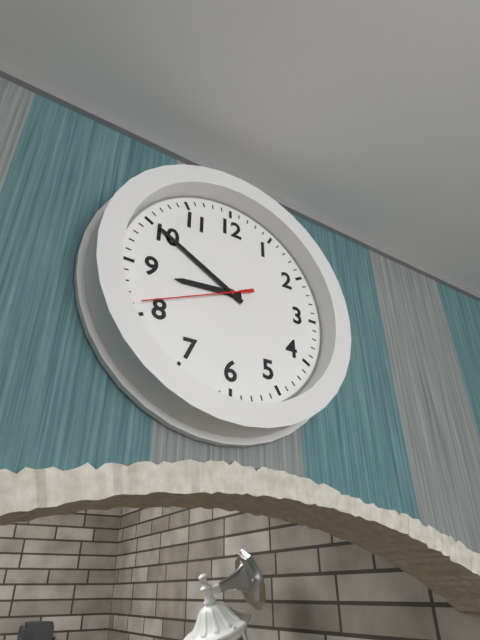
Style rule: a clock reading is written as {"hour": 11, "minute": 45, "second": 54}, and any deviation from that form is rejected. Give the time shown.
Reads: {"hour": 8, "minute": 50, "second": 41}
